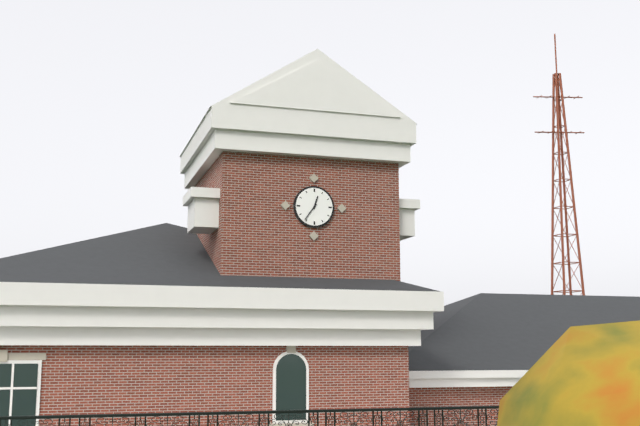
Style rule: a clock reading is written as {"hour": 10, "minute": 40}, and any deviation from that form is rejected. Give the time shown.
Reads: {"hour": 12, "minute": 36}
